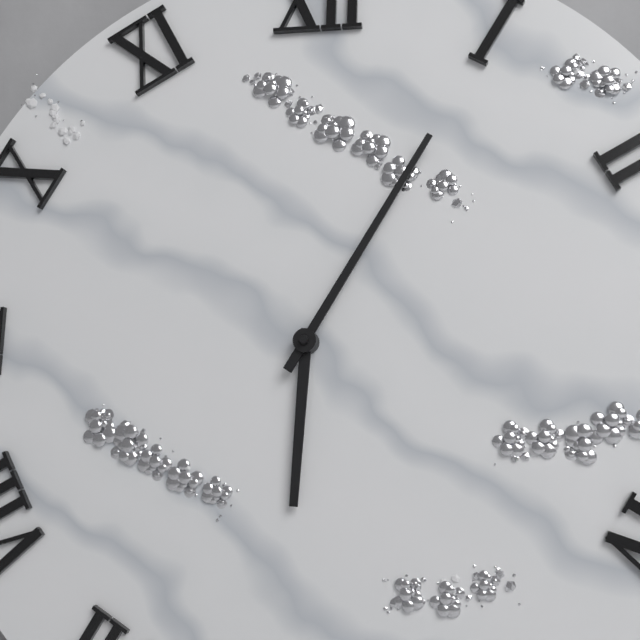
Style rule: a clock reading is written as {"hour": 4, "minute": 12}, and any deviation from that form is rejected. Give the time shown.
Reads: {"hour": 6, "minute": 5}
